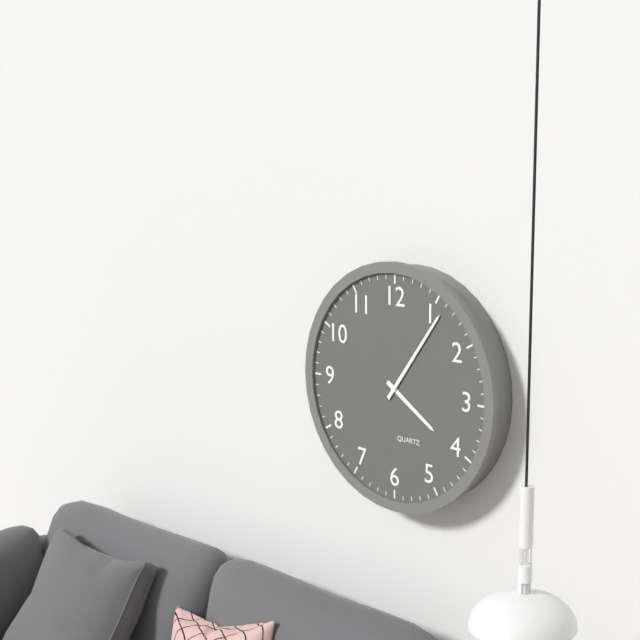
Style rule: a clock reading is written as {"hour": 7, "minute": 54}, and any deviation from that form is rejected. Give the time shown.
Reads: {"hour": 4, "minute": 6}
